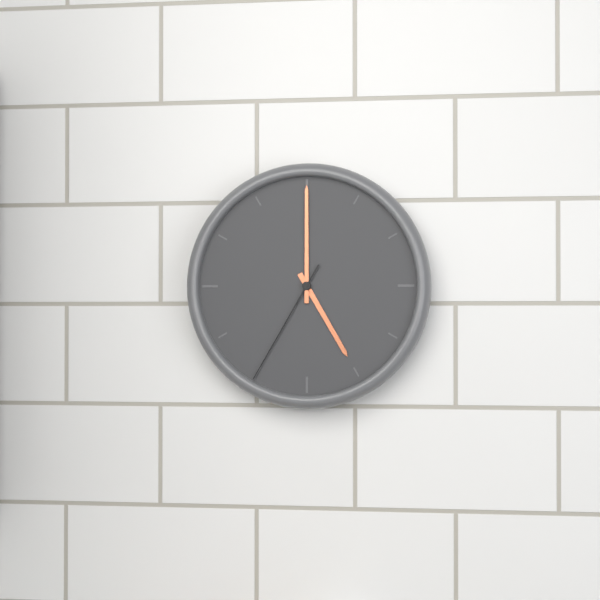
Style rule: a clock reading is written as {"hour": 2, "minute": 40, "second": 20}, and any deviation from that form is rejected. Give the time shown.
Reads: {"hour": 5, "minute": 0, "second": 35}
